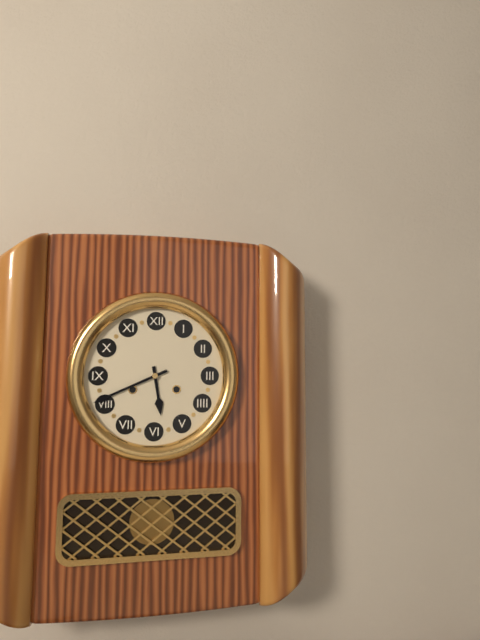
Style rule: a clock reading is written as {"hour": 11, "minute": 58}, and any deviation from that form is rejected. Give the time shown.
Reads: {"hour": 5, "minute": 41}
